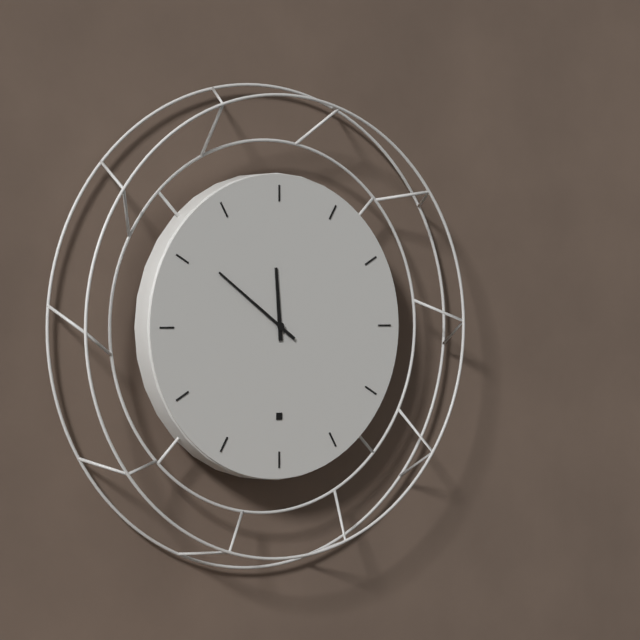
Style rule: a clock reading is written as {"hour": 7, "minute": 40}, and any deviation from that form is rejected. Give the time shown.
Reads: {"hour": 11, "minute": 51}
